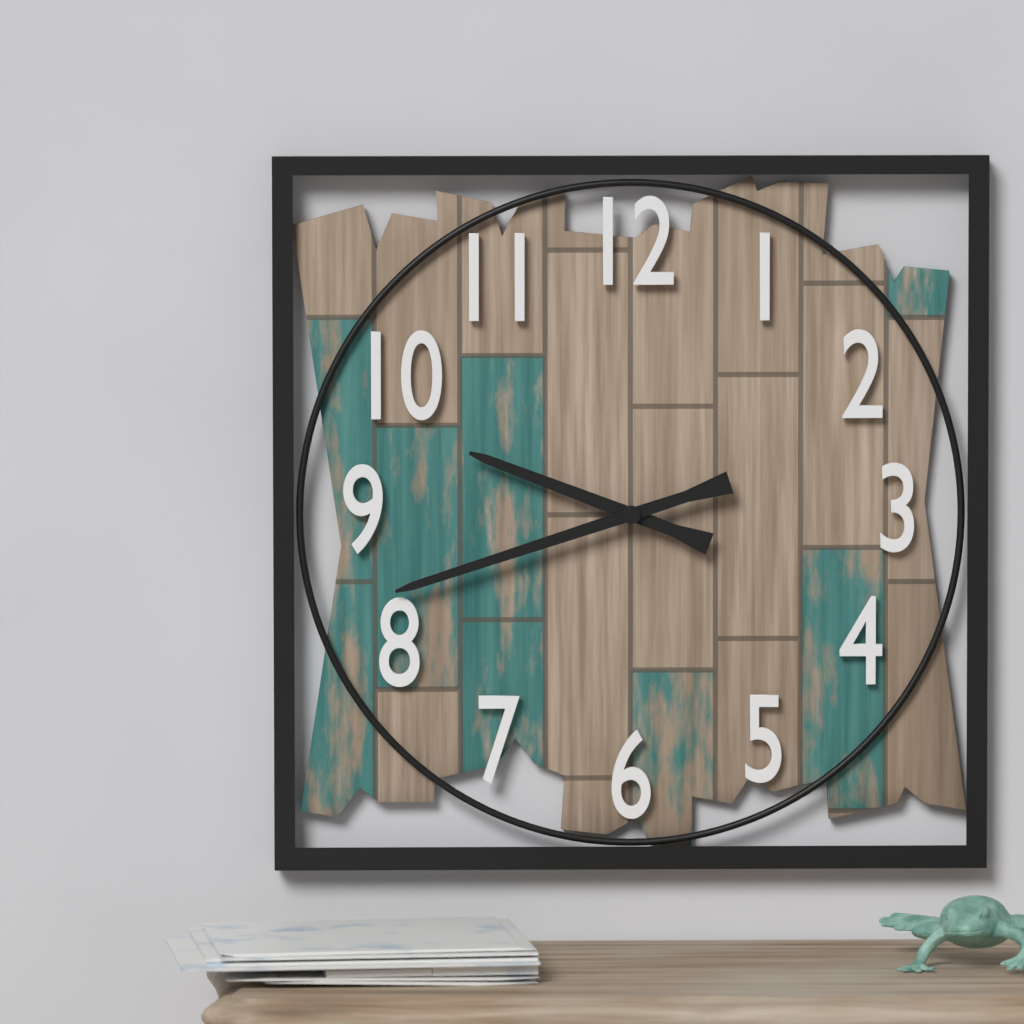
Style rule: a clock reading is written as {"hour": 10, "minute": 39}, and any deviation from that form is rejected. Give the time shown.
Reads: {"hour": 9, "minute": 42}
